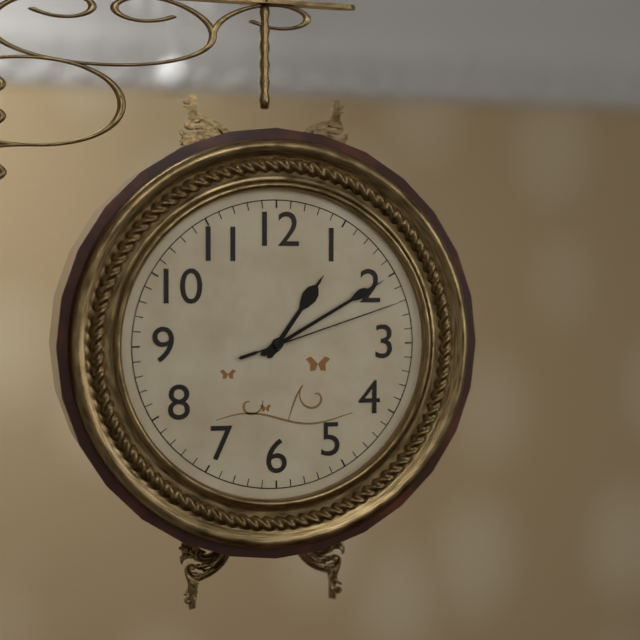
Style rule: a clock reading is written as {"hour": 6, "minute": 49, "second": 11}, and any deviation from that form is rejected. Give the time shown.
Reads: {"hour": 1, "minute": 10, "second": 12}
